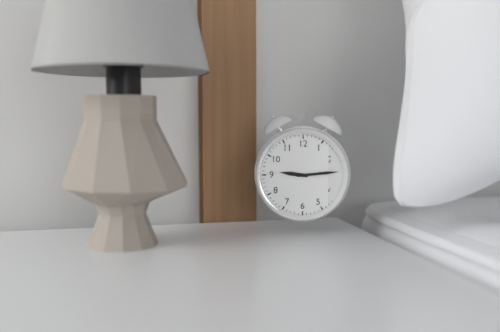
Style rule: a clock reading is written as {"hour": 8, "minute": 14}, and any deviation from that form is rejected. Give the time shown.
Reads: {"hour": 9, "minute": 14}
